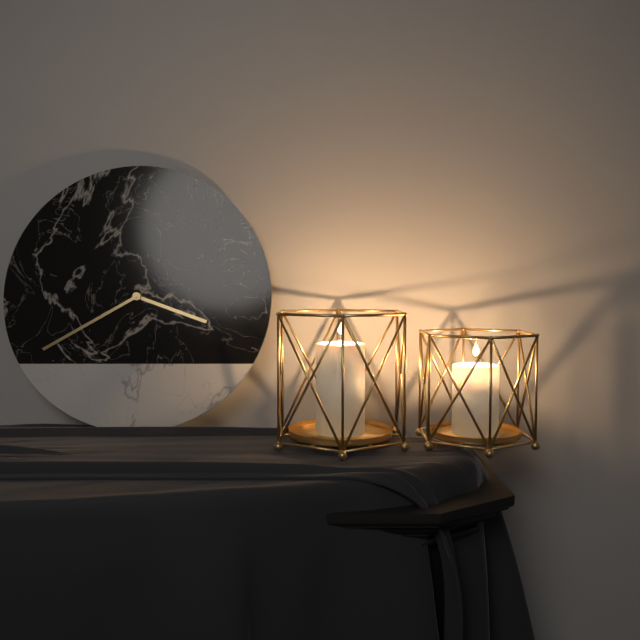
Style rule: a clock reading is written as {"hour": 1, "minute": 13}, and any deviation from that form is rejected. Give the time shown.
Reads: {"hour": 3, "minute": 40}
